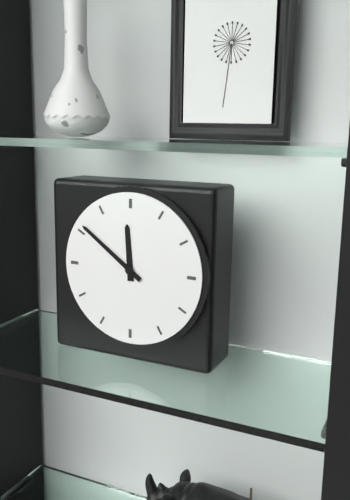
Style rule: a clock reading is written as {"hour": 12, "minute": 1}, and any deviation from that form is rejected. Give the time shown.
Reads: {"hour": 11, "minute": 51}
